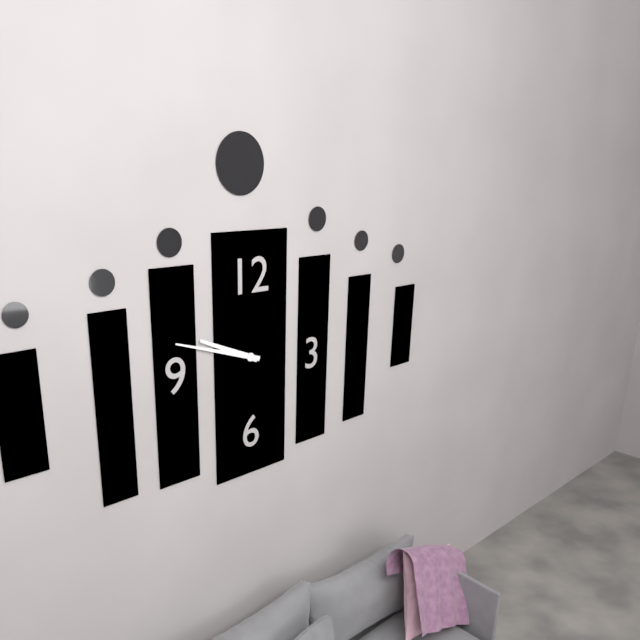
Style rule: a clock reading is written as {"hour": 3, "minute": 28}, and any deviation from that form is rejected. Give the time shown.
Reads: {"hour": 9, "minute": 48}
